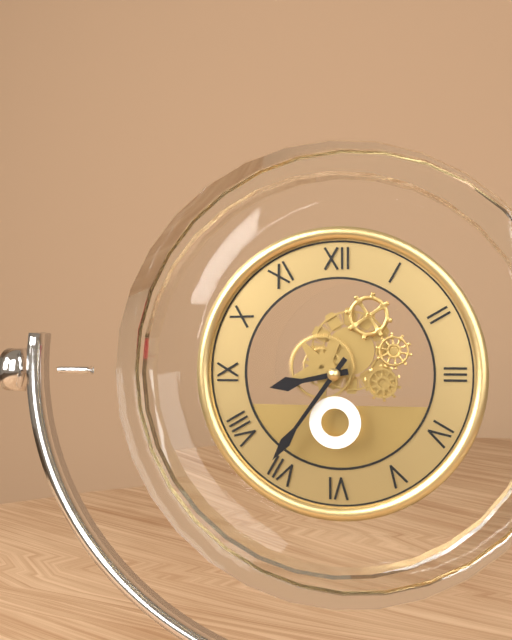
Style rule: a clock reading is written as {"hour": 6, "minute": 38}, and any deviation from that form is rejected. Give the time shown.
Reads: {"hour": 8, "minute": 36}
